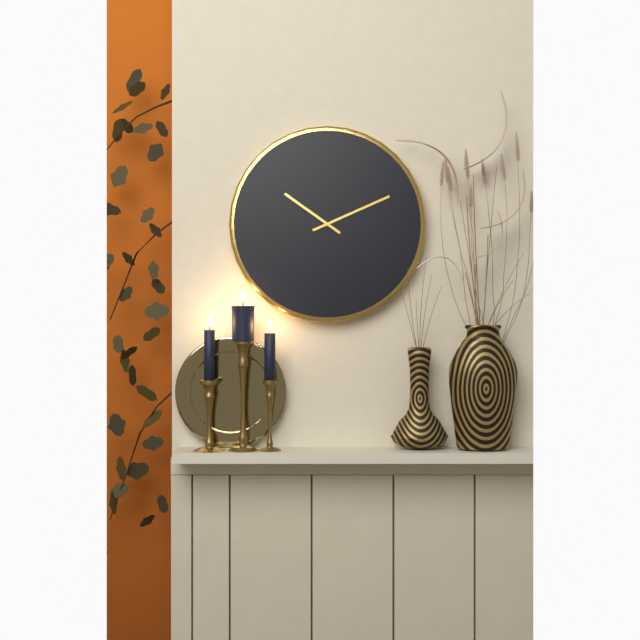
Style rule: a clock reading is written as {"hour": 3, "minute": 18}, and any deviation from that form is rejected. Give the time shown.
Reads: {"hour": 10, "minute": 11}
